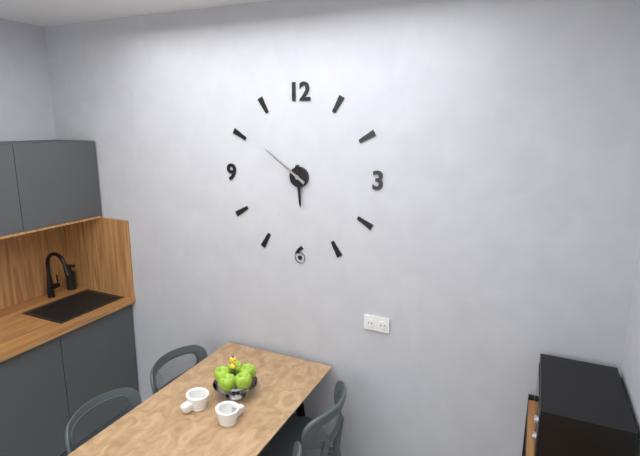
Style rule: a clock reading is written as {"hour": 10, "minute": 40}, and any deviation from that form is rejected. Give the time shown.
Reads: {"hour": 5, "minute": 51}
